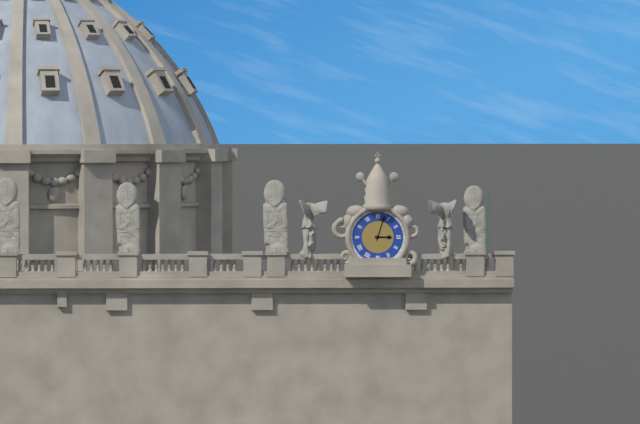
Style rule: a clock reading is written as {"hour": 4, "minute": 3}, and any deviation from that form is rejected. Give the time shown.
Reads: {"hour": 3, "minute": 3}
